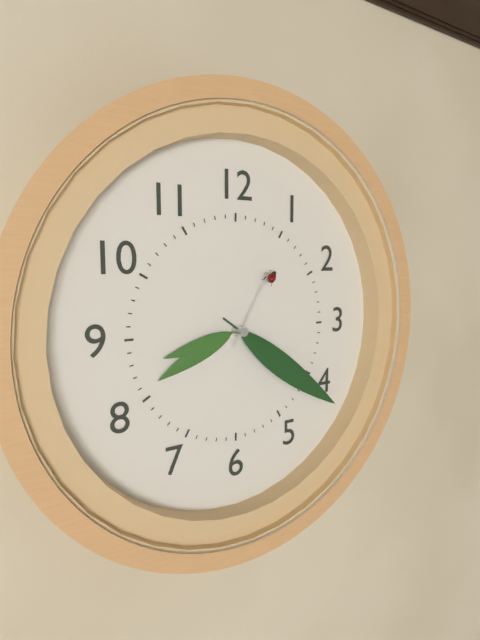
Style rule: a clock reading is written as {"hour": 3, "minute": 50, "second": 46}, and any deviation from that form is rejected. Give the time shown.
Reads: {"hour": 8, "minute": 21, "second": 5}
